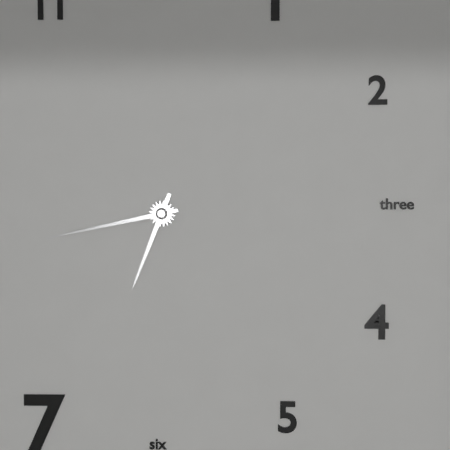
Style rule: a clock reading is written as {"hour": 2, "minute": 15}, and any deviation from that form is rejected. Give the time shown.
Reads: {"hour": 6, "minute": 43}
